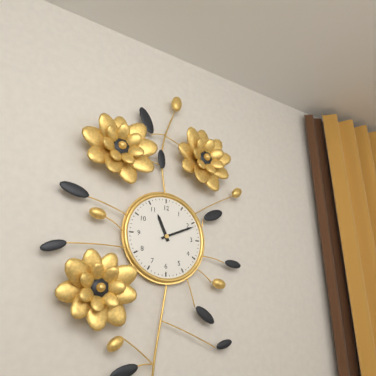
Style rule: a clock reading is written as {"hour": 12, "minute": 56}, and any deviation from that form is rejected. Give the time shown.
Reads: {"hour": 11, "minute": 11}
